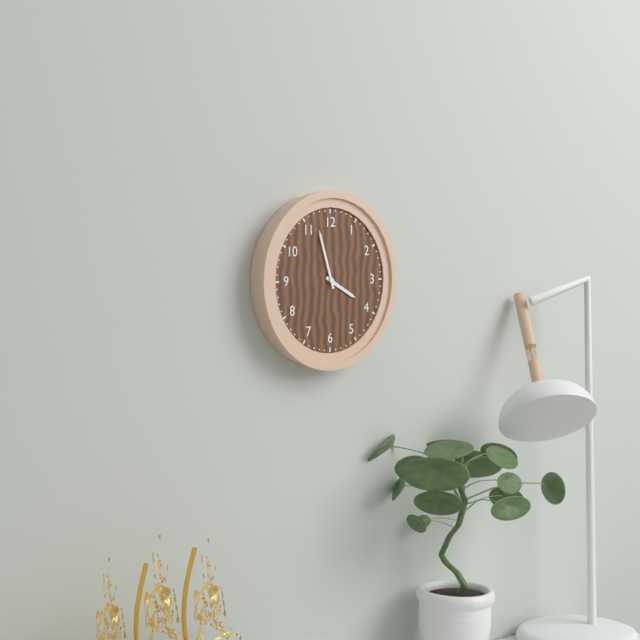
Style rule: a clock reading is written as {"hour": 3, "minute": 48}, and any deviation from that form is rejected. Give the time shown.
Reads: {"hour": 3, "minute": 57}
